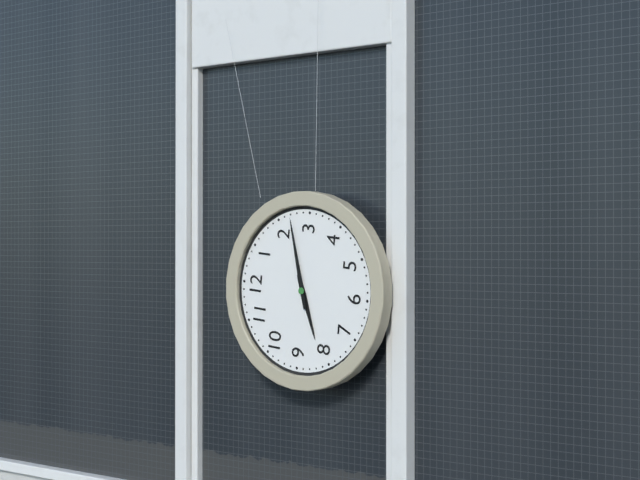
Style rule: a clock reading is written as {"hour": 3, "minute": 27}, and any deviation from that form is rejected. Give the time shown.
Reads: {"hour": 8, "minute": 12}
